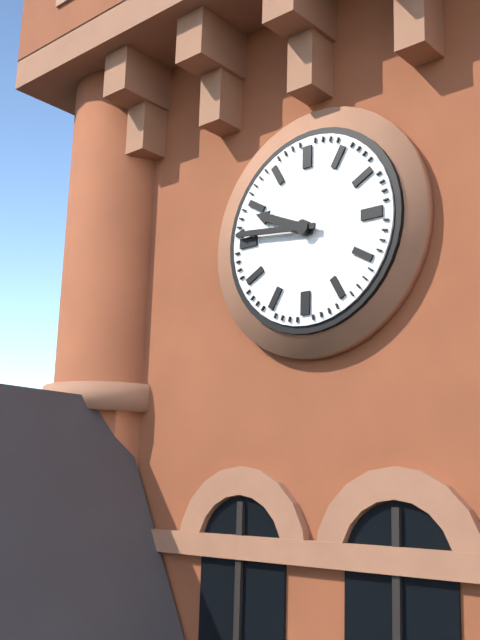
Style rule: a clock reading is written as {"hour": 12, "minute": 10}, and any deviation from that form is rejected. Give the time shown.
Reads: {"hour": 9, "minute": 46}
